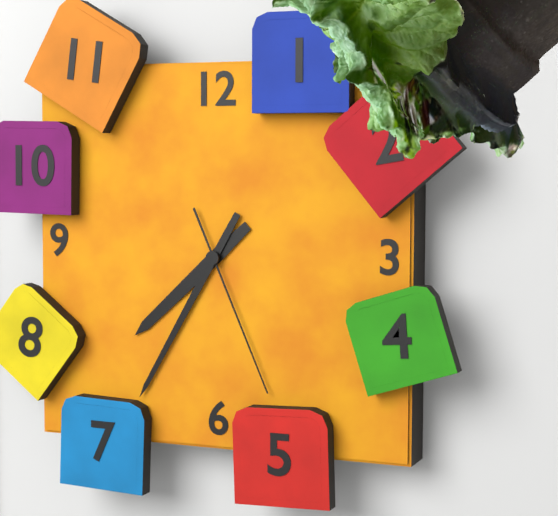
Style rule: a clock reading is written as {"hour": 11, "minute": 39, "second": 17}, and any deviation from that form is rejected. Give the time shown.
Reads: {"hour": 7, "minute": 35, "second": 26}
